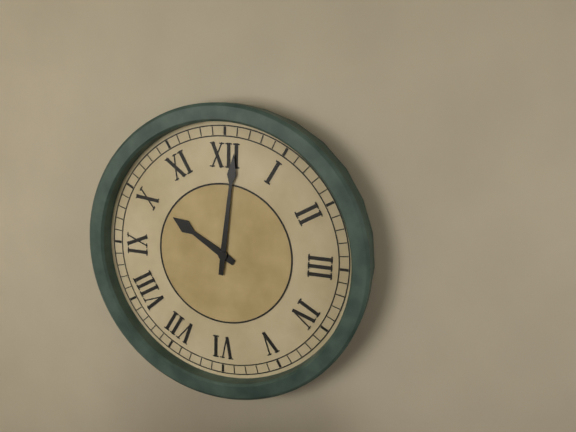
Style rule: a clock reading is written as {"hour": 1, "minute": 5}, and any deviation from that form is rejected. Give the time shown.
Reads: {"hour": 10, "minute": 1}
